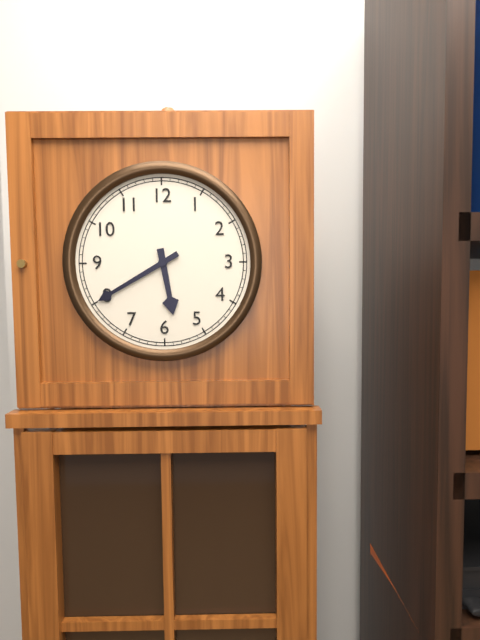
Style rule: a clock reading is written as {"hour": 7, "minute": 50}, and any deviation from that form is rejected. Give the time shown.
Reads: {"hour": 5, "minute": 40}
